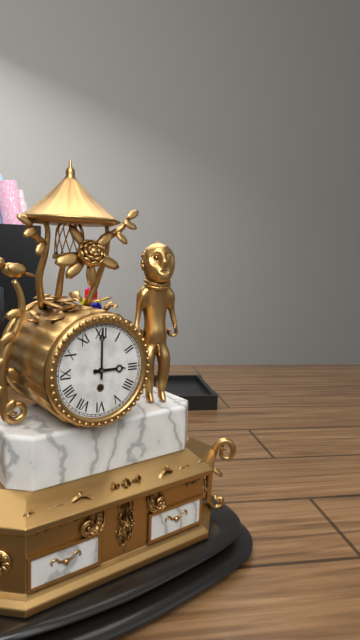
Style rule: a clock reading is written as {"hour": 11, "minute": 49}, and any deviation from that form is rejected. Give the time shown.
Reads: {"hour": 3, "minute": 0}
